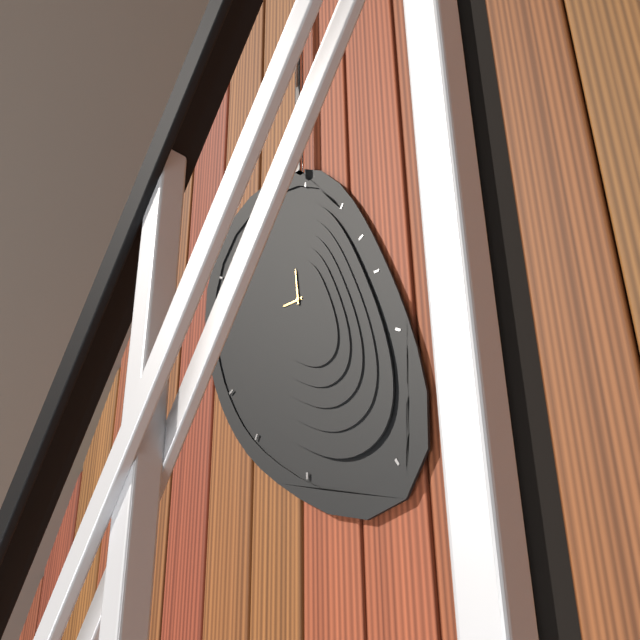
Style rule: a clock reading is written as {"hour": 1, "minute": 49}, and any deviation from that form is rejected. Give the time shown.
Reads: {"hour": 8, "minute": 59}
